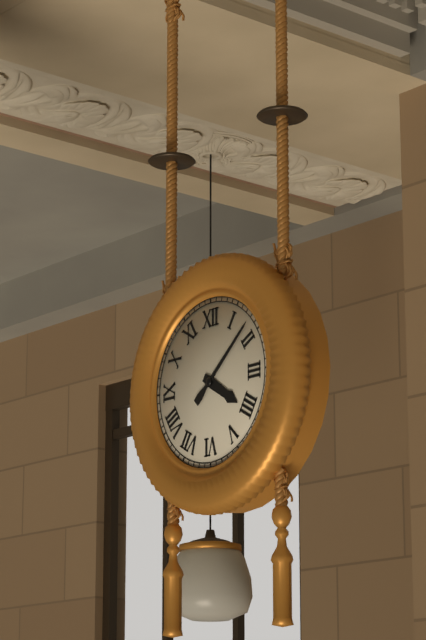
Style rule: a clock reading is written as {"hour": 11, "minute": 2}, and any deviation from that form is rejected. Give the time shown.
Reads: {"hour": 4, "minute": 8}
